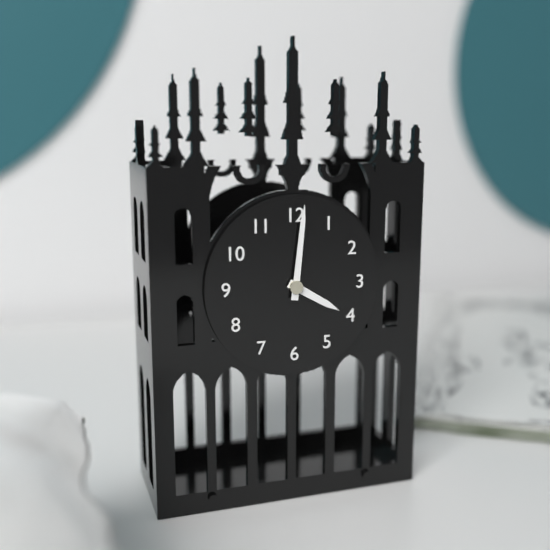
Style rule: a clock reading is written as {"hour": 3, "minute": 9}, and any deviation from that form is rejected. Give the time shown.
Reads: {"hour": 4, "minute": 1}
